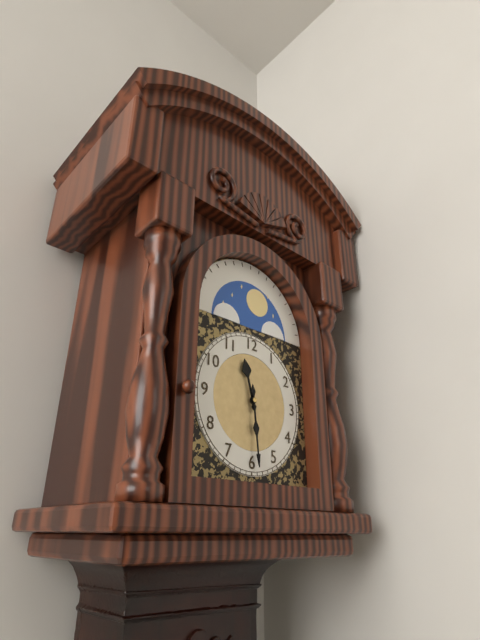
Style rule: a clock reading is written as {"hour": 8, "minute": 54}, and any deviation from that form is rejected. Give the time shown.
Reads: {"hour": 11, "minute": 29}
